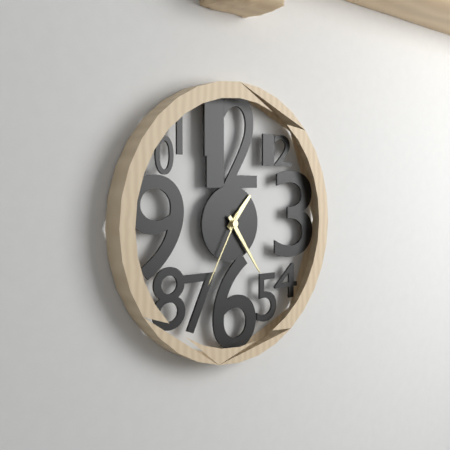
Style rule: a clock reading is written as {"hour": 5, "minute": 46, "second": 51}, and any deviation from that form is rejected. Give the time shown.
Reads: {"hour": 1, "minute": 24, "second": 35}
